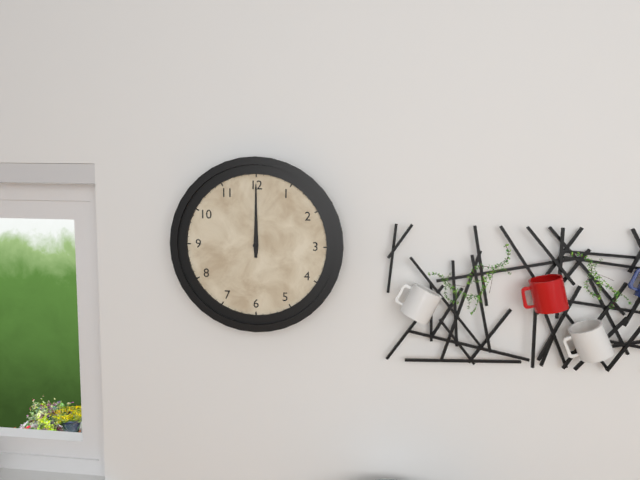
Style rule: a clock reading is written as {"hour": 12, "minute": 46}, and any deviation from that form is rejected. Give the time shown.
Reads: {"hour": 12, "minute": 0}
